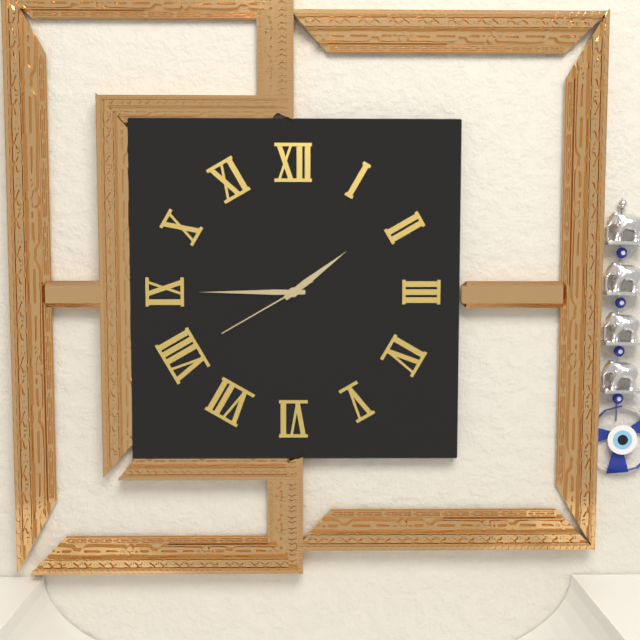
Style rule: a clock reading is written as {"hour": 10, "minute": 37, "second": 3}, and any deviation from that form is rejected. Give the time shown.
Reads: {"hour": 1, "minute": 45, "second": 40}
